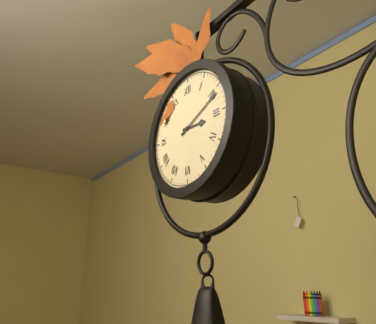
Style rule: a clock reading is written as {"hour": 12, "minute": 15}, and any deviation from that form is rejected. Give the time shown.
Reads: {"hour": 3, "minute": 11}
